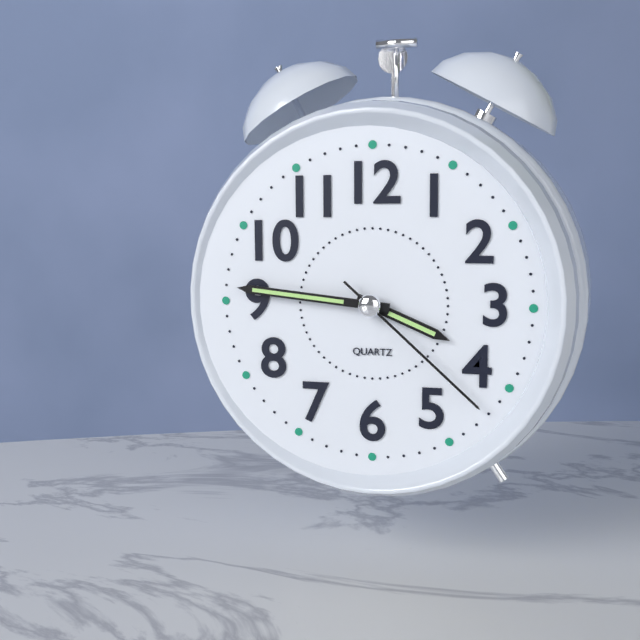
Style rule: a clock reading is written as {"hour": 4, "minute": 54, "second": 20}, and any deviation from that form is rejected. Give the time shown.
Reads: {"hour": 3, "minute": 46, "second": 22}
